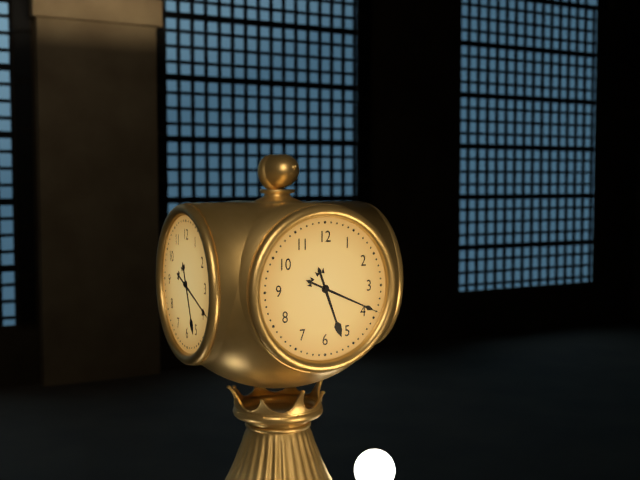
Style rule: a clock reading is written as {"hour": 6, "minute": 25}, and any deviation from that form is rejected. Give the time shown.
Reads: {"hour": 5, "minute": 19}
